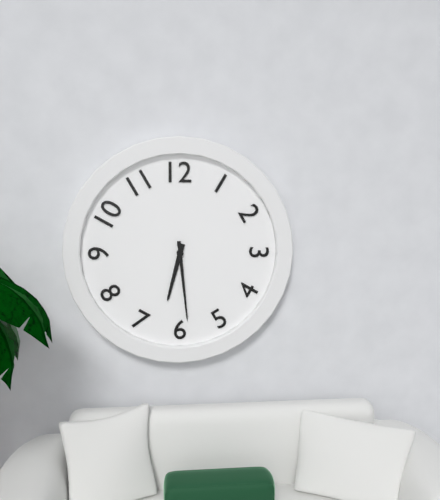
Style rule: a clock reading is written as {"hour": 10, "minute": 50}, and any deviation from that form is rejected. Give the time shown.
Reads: {"hour": 6, "minute": 29}
